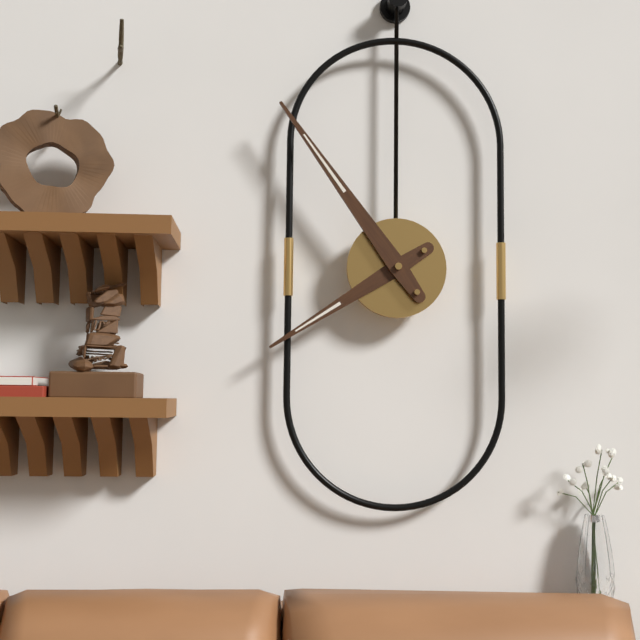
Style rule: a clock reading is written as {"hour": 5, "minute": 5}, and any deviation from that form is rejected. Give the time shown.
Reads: {"hour": 7, "minute": 54}
